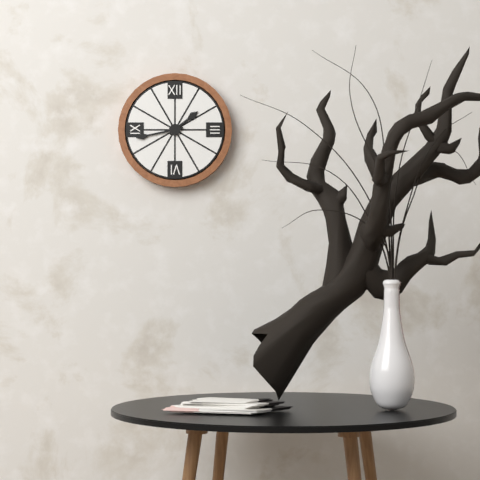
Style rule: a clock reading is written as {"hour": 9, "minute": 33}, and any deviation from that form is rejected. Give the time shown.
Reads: {"hour": 1, "minute": 43}
